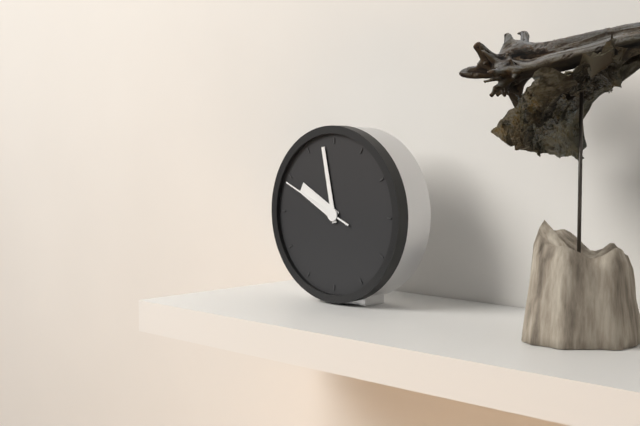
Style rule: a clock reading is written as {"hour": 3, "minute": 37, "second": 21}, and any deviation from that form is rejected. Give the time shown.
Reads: {"hour": 9, "minute": 58, "second": 49}
